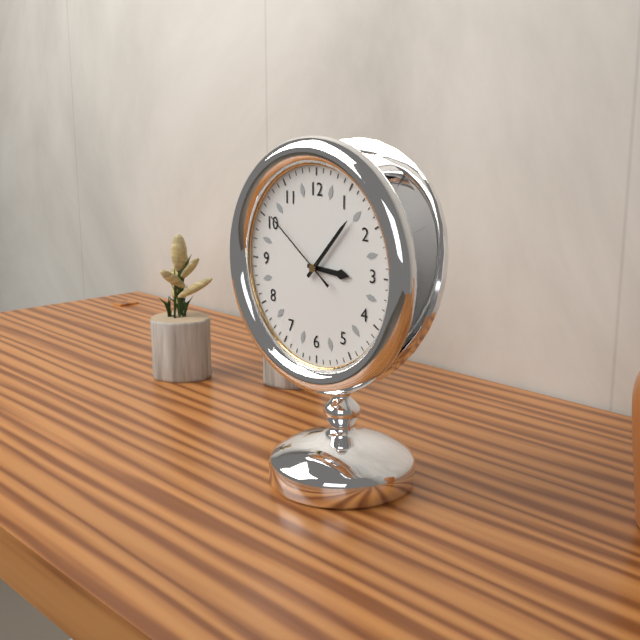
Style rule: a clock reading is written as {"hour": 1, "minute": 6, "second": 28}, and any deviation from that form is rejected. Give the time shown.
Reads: {"hour": 3, "minute": 7, "second": 51}
